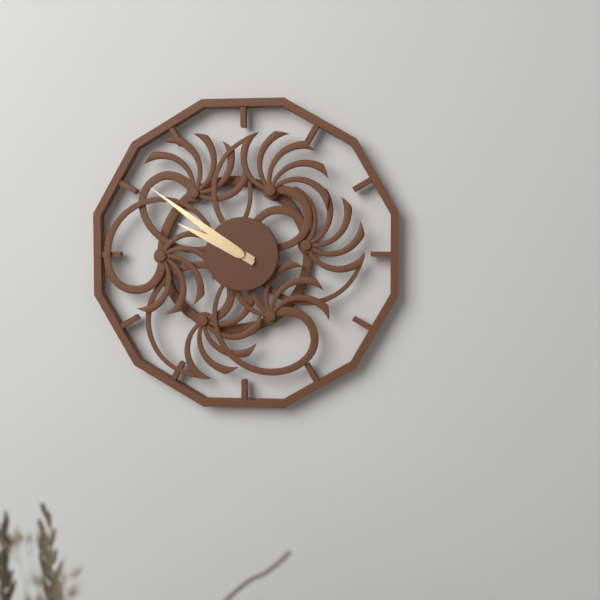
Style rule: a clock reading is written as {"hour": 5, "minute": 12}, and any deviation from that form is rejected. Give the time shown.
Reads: {"hour": 9, "minute": 51}
